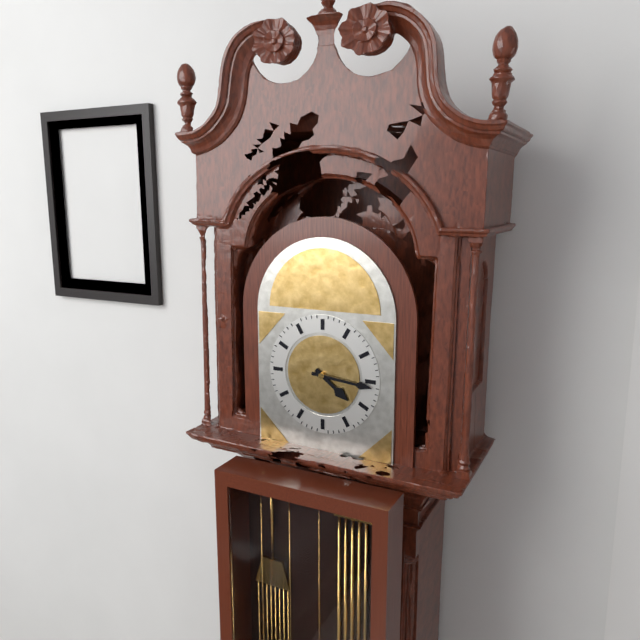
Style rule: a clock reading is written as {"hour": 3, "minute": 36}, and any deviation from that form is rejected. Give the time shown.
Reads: {"hour": 4, "minute": 16}
